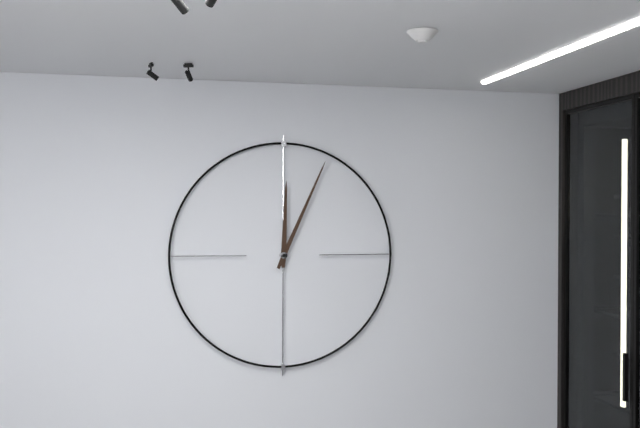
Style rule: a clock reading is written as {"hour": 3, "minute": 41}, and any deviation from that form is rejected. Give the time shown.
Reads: {"hour": 12, "minute": 4}
